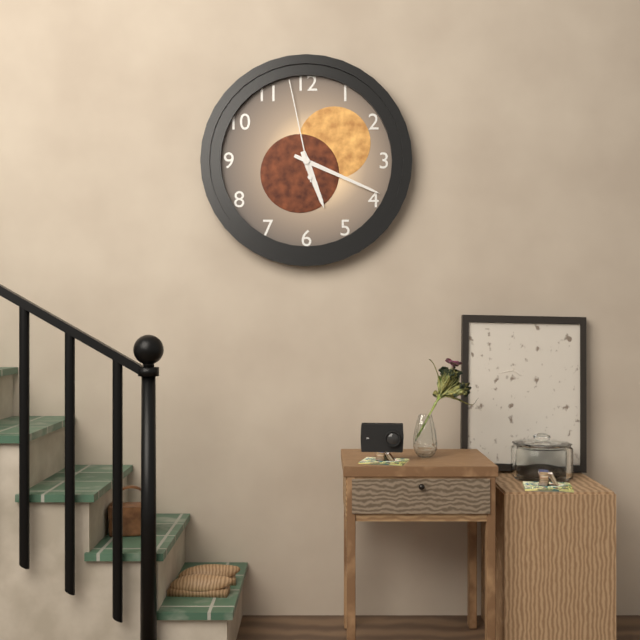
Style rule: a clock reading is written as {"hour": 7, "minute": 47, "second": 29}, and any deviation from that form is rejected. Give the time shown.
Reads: {"hour": 5, "minute": 19, "second": 58}
